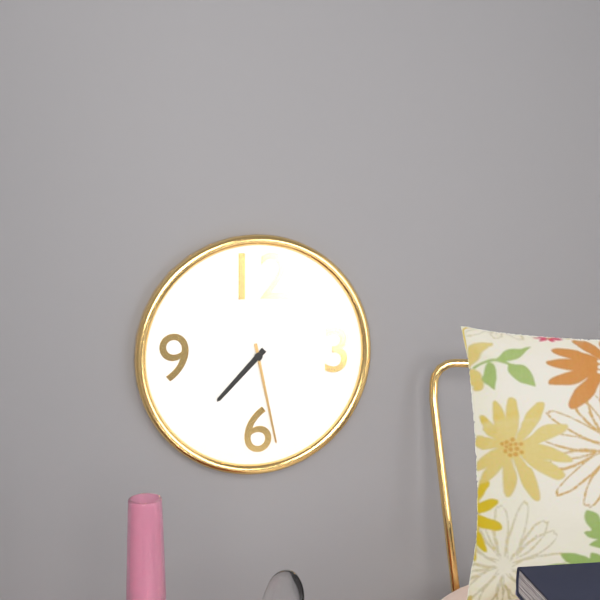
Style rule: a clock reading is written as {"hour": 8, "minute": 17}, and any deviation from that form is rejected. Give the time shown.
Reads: {"hour": 7, "minute": 28}
